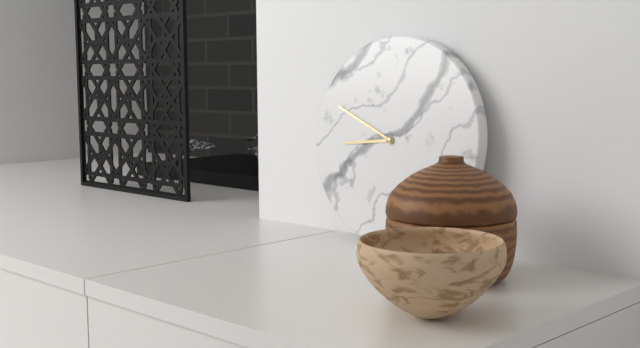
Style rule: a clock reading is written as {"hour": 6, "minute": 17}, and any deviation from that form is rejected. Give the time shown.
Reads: {"hour": 8, "minute": 49}
